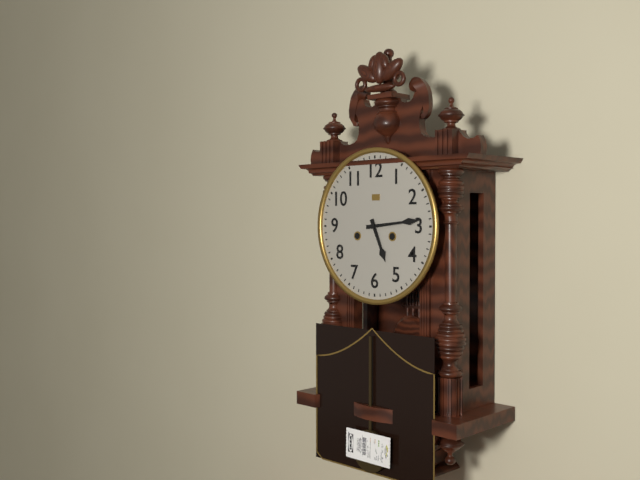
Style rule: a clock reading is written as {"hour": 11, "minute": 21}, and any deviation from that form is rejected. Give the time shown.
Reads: {"hour": 5, "minute": 14}
